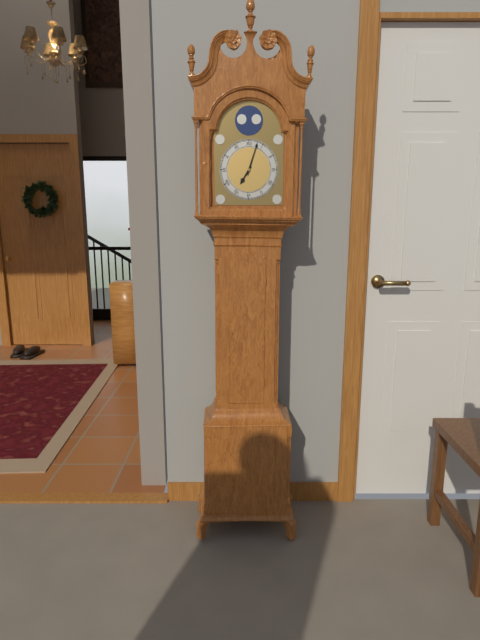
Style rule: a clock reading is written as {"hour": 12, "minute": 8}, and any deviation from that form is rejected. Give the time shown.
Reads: {"hour": 7, "minute": 3}
